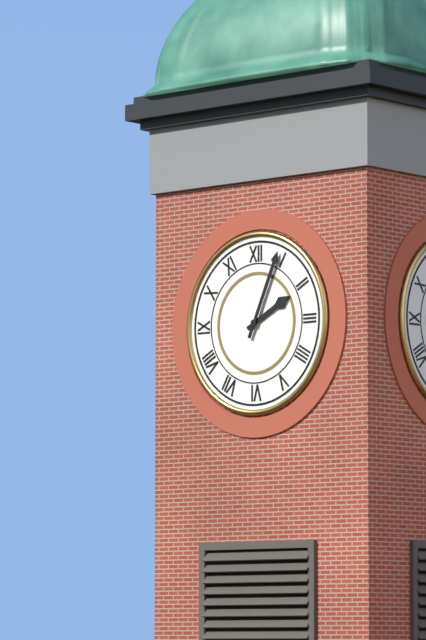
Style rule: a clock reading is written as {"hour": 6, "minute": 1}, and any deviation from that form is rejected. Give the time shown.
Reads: {"hour": 2, "minute": 4}
